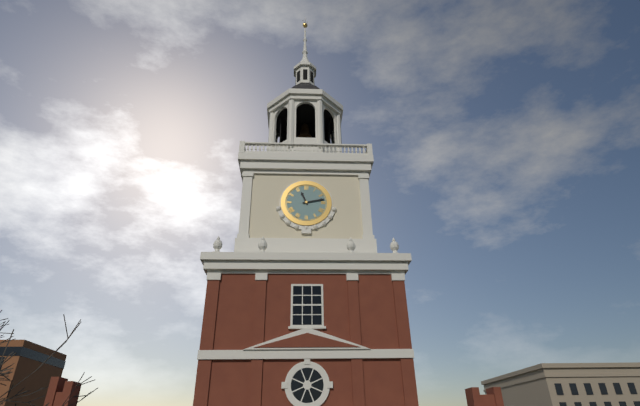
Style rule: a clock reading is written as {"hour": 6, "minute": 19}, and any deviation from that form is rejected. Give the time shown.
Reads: {"hour": 11, "minute": 13}
